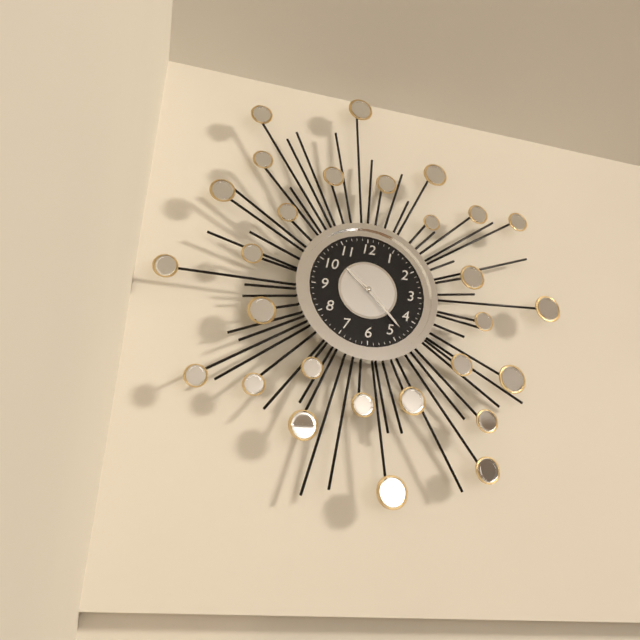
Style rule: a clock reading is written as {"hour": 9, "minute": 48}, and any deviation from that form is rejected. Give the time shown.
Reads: {"hour": 10, "minute": 23}
